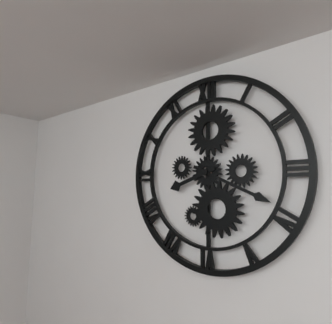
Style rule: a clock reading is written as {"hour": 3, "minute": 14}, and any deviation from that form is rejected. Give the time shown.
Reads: {"hour": 8, "minute": 19}
